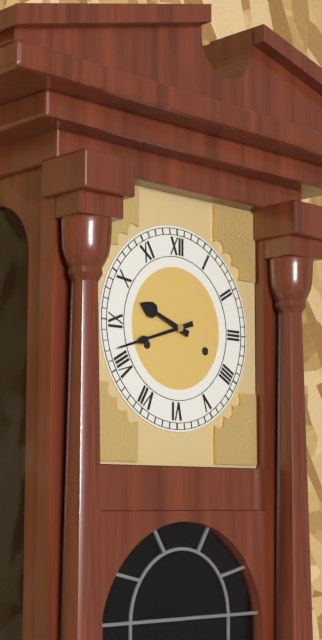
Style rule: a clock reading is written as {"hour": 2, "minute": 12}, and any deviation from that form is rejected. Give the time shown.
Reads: {"hour": 9, "minute": 42}
